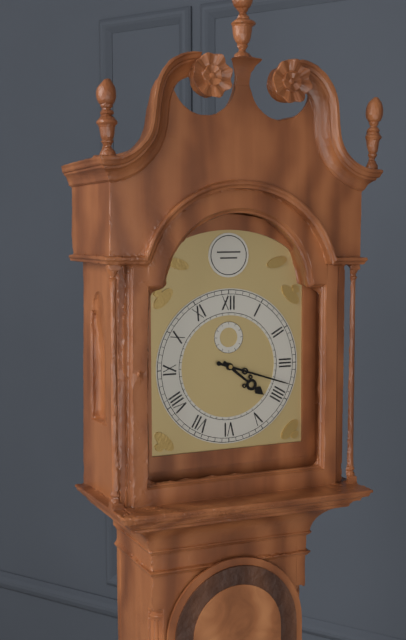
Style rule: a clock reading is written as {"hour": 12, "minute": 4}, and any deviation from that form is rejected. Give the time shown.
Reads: {"hour": 4, "minute": 18}
